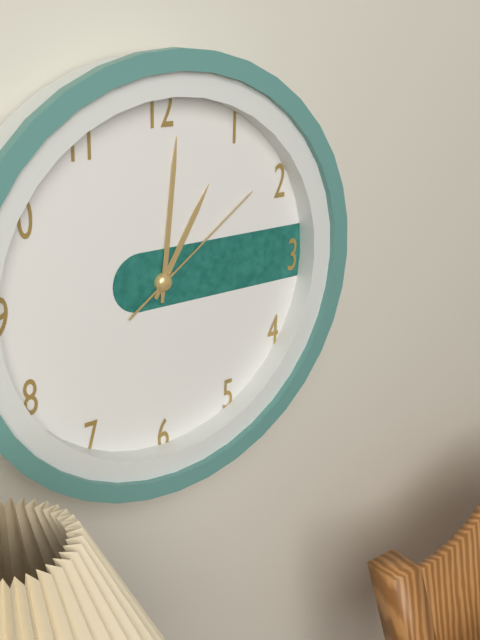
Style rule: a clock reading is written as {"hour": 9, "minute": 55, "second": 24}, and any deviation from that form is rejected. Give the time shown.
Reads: {"hour": 1, "minute": 1, "second": 9}
